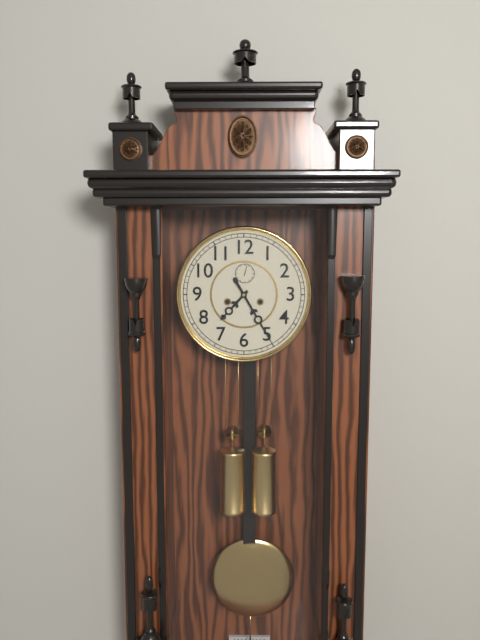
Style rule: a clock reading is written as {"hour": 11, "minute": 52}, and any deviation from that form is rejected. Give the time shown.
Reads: {"hour": 7, "minute": 25}
